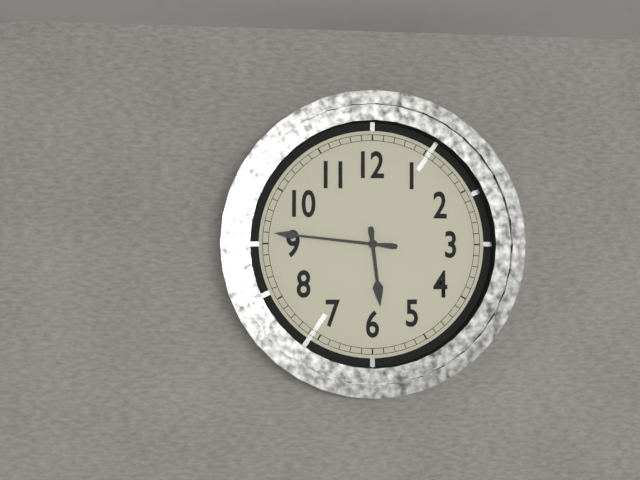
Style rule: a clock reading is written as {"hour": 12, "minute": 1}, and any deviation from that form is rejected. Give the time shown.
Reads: {"hour": 5, "minute": 46}
